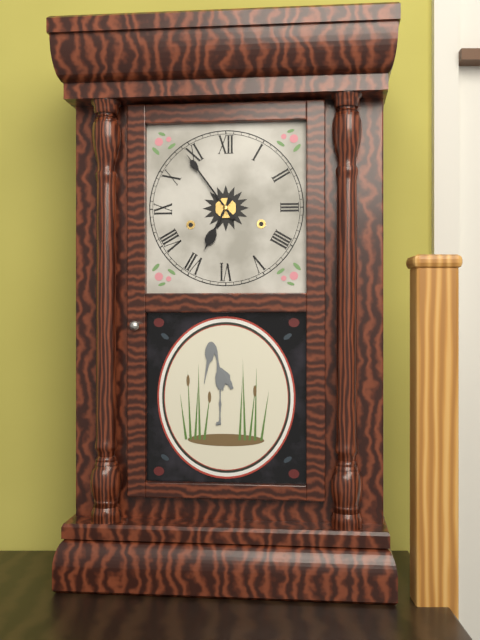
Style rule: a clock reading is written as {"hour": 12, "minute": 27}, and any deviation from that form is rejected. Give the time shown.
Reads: {"hour": 6, "minute": 54}
